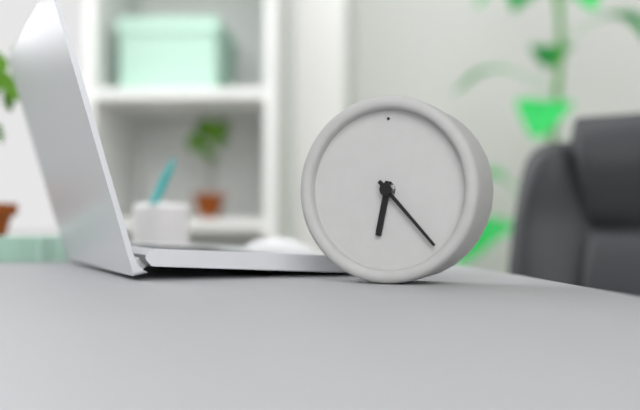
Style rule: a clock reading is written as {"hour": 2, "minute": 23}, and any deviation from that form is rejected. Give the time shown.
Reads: {"hour": 6, "minute": 23}
